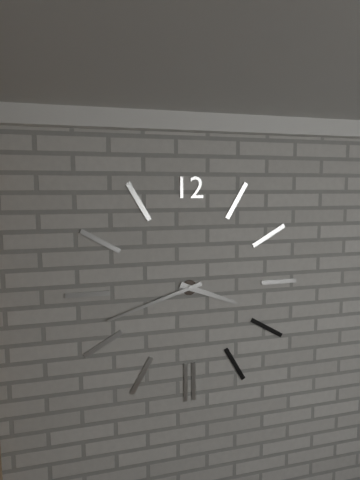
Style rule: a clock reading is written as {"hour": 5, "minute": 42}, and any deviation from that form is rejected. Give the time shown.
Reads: {"hour": 3, "minute": 42}
